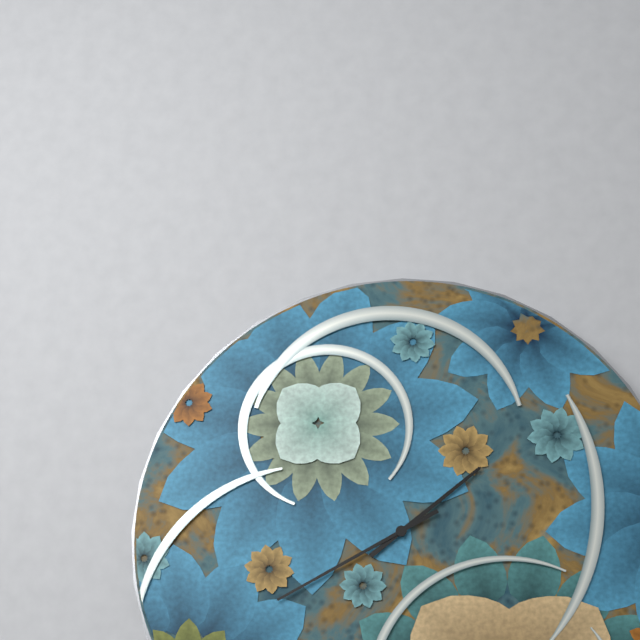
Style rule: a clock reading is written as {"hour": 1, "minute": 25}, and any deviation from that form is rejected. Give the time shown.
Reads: {"hour": 1, "minute": 40}
